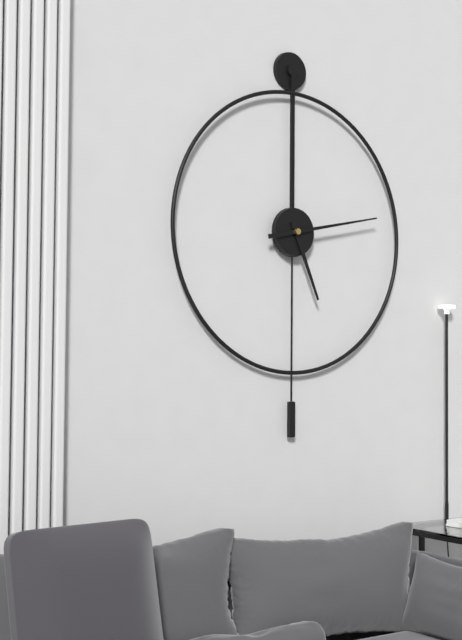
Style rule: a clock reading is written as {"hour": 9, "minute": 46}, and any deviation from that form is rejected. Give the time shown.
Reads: {"hour": 5, "minute": 13}
